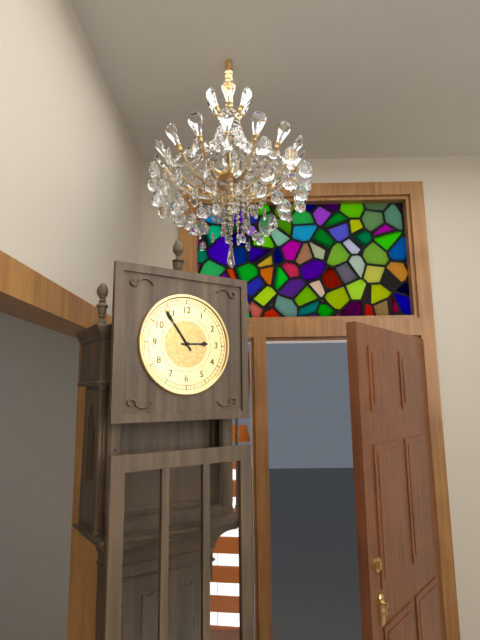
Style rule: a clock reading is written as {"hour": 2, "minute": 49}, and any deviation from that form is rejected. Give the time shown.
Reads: {"hour": 2, "minute": 54}
